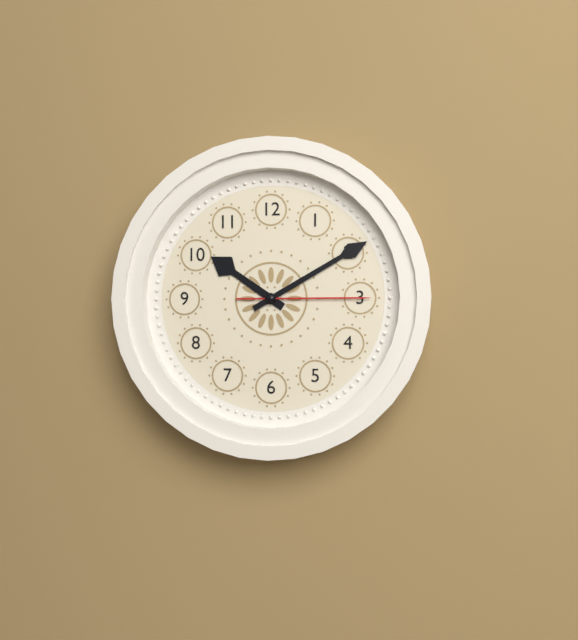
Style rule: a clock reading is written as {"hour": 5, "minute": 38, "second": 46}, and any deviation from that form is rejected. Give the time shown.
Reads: {"hour": 10, "minute": 10, "second": 15}
